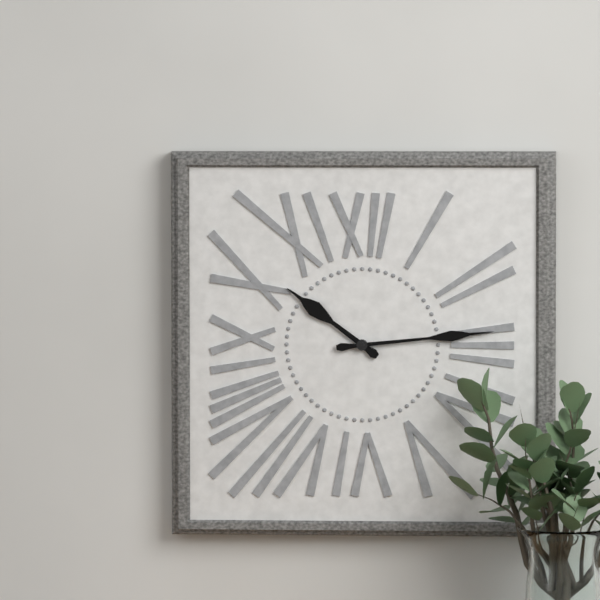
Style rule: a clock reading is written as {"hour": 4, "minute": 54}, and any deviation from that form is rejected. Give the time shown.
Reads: {"hour": 10, "minute": 14}
